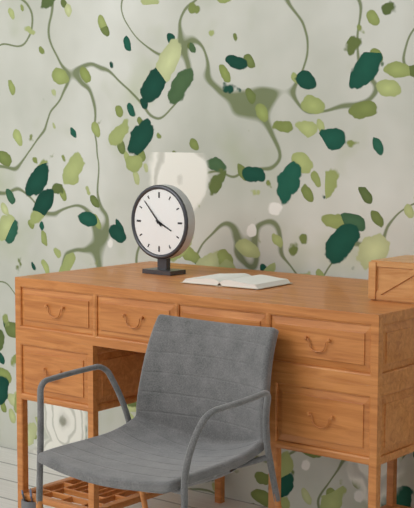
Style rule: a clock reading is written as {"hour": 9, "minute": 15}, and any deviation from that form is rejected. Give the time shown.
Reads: {"hour": 3, "minute": 53}
